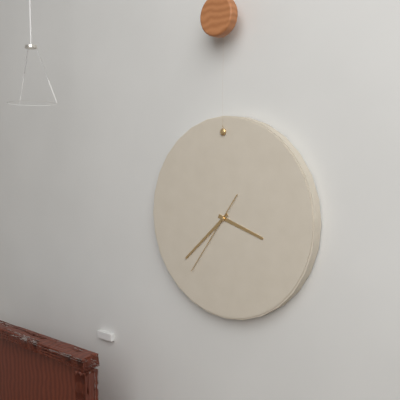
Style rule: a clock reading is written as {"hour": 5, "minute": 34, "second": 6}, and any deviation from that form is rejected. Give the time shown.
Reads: {"hour": 3, "minute": 38, "second": 36}
